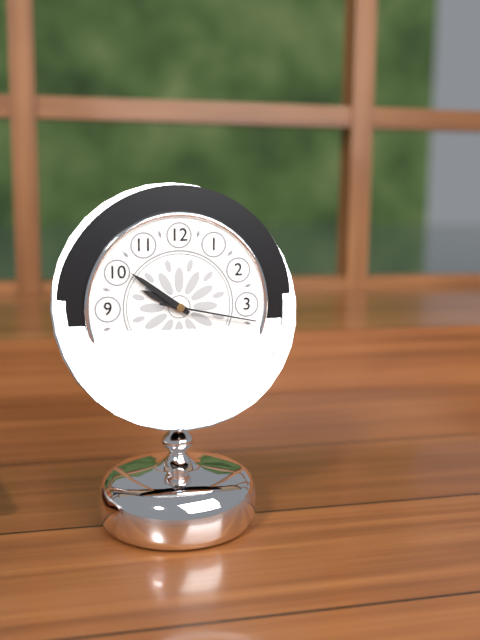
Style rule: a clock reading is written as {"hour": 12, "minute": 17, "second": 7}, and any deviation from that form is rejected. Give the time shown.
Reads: {"hour": 9, "minute": 51, "second": 17}
